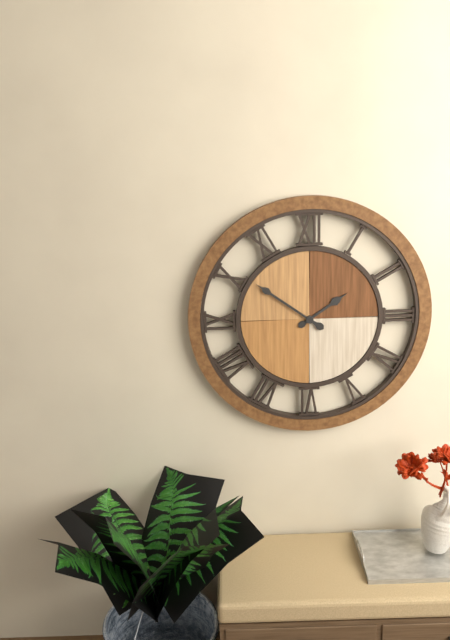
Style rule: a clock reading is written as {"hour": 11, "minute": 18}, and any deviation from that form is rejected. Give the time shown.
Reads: {"hour": 1, "minute": 51}
